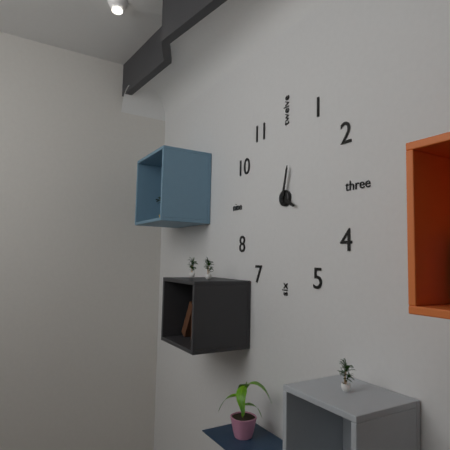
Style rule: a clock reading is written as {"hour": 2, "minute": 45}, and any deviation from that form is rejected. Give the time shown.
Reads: {"hour": 4, "minute": 2}
